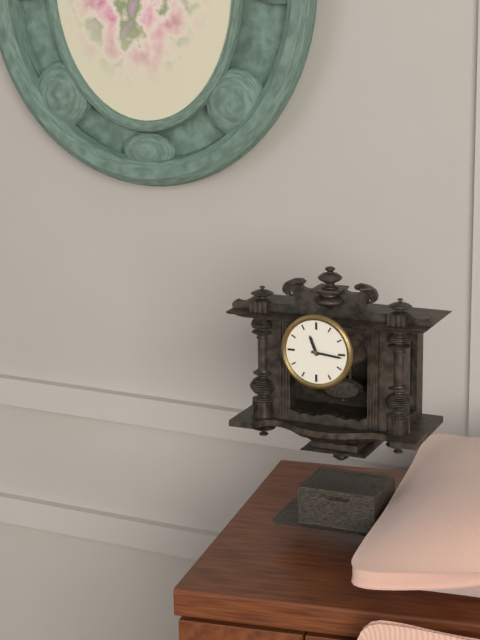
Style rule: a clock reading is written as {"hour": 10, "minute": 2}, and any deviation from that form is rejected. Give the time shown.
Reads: {"hour": 11, "minute": 16}
